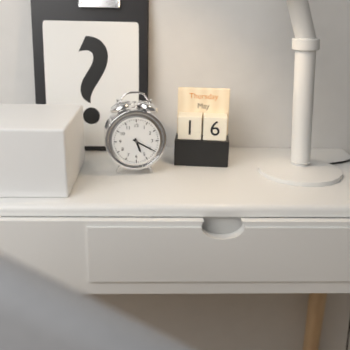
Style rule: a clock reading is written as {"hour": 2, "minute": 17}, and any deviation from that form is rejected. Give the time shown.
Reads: {"hour": 5, "minute": 20}
